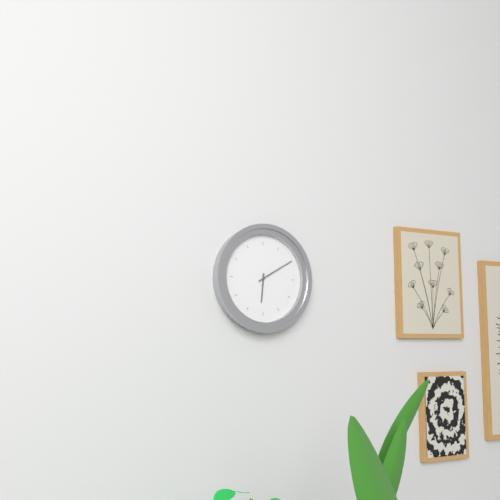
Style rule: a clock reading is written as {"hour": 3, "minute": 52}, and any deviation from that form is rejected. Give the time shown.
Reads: {"hour": 6, "minute": 10}
